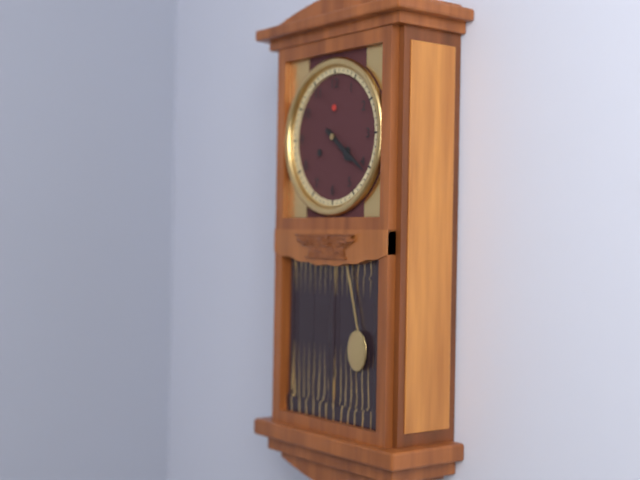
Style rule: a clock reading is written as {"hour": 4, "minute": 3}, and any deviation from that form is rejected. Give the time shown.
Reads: {"hour": 4, "minute": 21}
